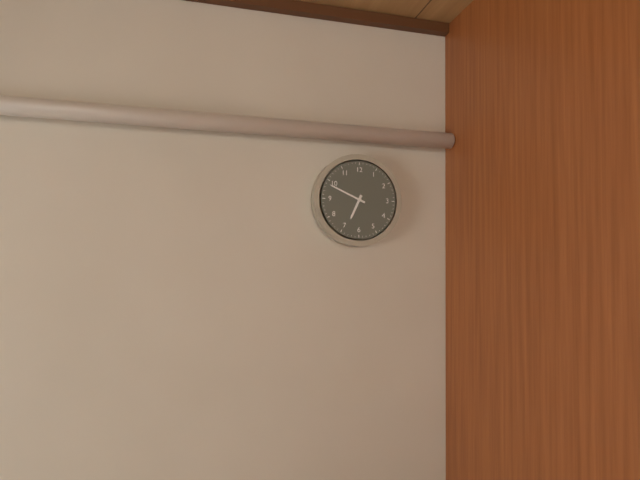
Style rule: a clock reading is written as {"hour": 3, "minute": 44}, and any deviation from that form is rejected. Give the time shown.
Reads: {"hour": 6, "minute": 49}
